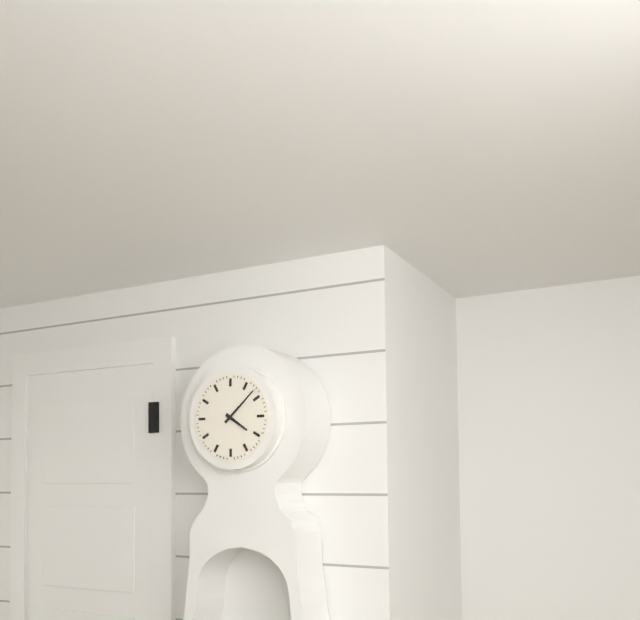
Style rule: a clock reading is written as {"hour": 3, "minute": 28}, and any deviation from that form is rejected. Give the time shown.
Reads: {"hour": 4, "minute": 8}
